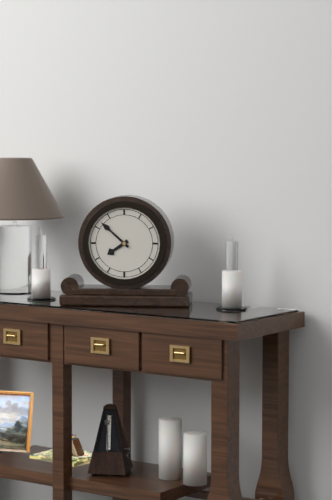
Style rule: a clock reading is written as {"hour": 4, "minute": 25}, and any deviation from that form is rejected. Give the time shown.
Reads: {"hour": 7, "minute": 52}
